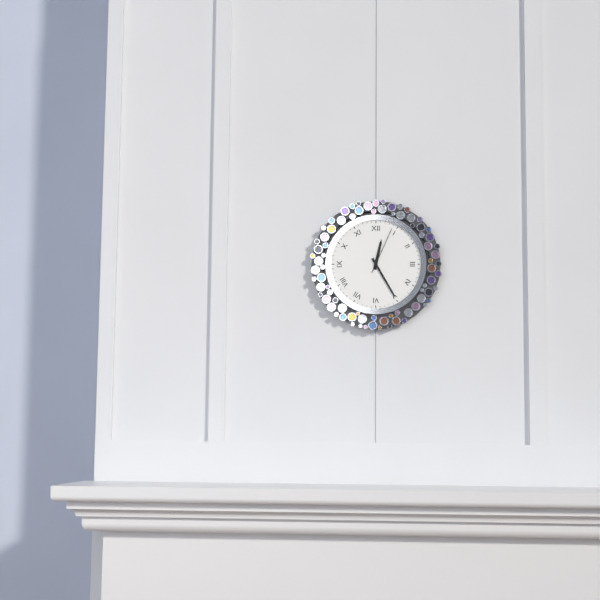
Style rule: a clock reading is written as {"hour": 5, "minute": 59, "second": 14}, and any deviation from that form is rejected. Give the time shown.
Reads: {"hour": 12, "minute": 25, "second": 4}
